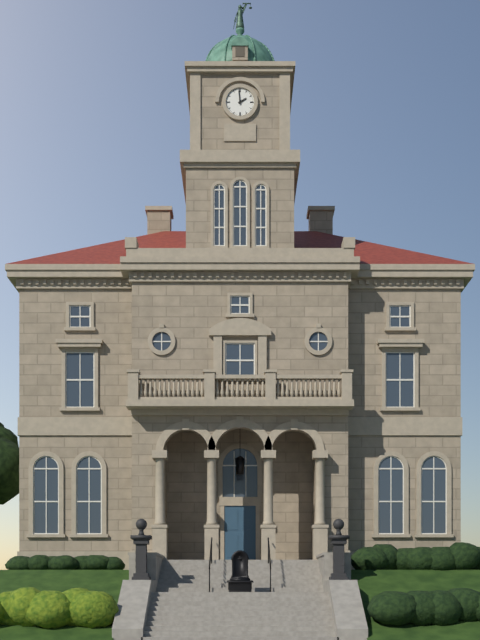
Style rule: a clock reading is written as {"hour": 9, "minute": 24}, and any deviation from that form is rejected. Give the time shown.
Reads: {"hour": 1, "minute": 59}
